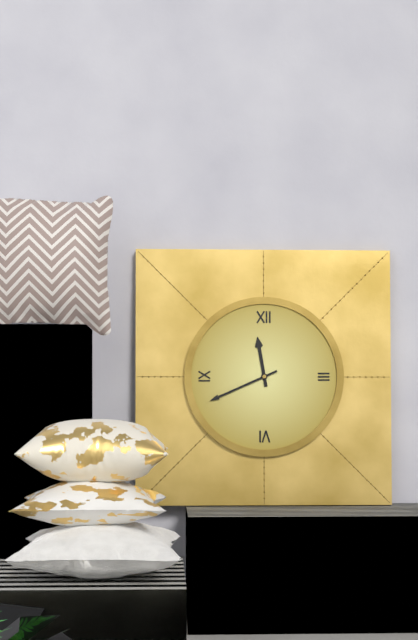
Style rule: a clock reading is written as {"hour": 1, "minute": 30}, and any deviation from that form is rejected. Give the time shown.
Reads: {"hour": 11, "minute": 41}
